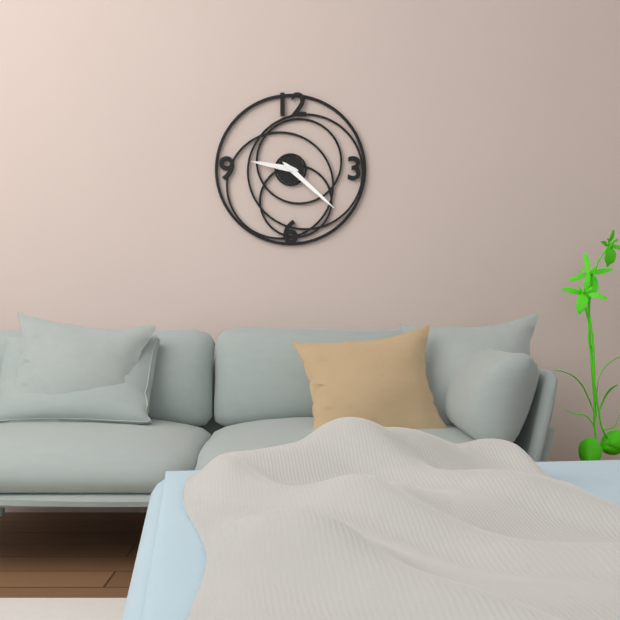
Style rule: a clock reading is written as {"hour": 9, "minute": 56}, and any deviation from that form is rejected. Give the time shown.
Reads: {"hour": 9, "minute": 22}
